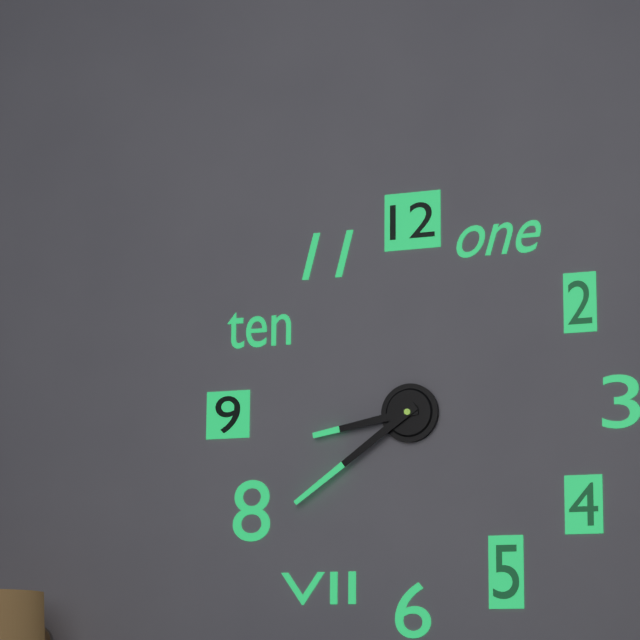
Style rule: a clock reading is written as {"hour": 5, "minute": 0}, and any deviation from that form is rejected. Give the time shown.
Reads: {"hour": 8, "minute": 39}
